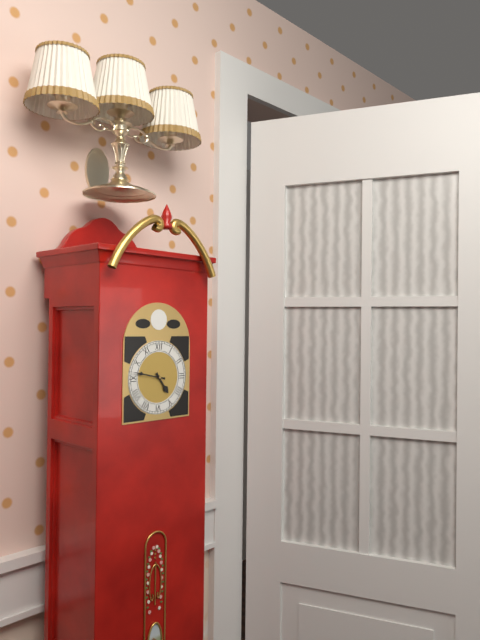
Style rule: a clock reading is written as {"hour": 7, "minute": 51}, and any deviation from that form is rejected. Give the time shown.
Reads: {"hour": 4, "minute": 47}
